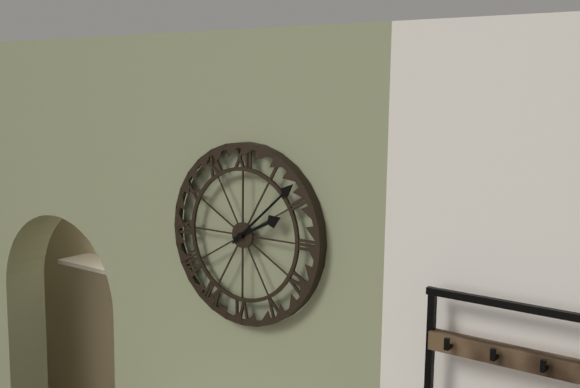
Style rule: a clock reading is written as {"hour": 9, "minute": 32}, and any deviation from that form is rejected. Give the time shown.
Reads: {"hour": 2, "minute": 8}
